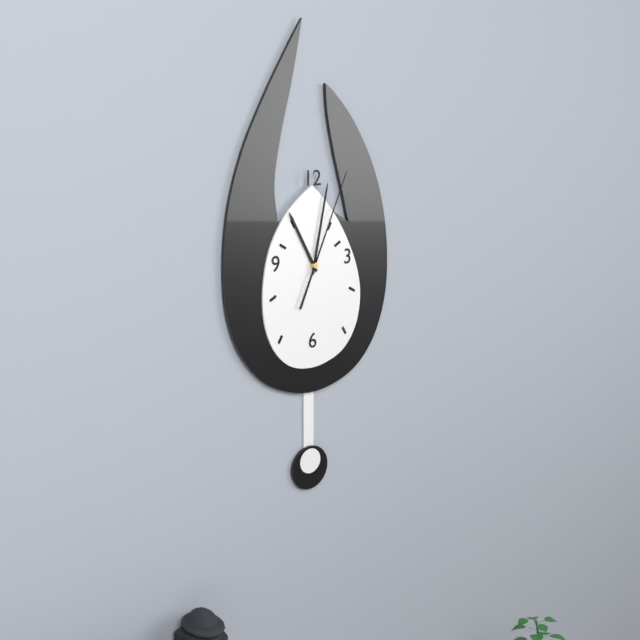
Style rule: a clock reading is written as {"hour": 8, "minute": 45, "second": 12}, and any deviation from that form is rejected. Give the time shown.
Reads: {"hour": 11, "minute": 2, "second": 4}
